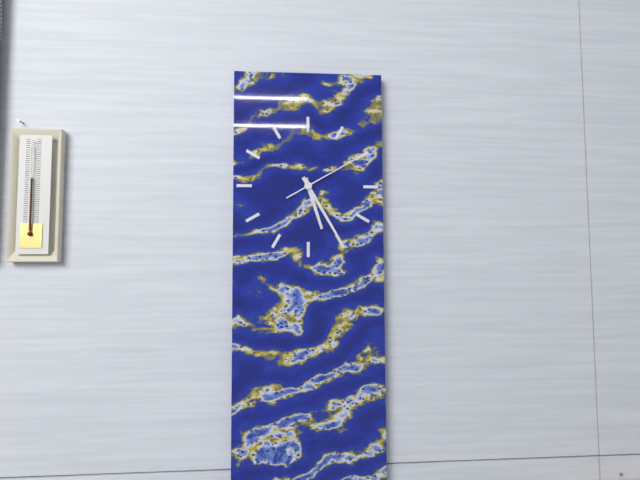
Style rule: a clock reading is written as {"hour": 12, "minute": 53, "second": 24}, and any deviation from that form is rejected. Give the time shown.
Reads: {"hour": 5, "minute": 25, "second": 10}
